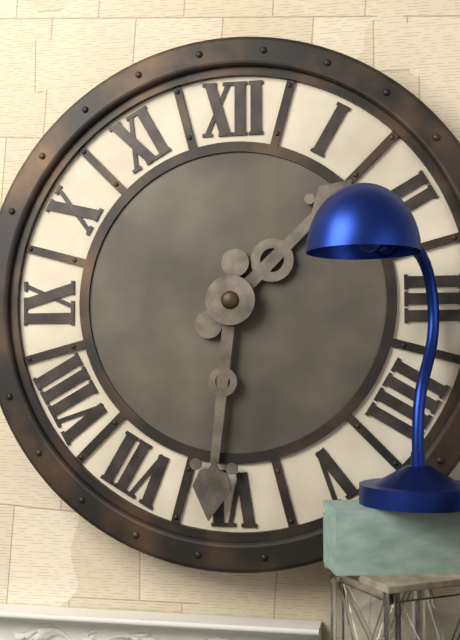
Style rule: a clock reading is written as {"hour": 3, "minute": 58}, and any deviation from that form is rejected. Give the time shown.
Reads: {"hour": 1, "minute": 31}
